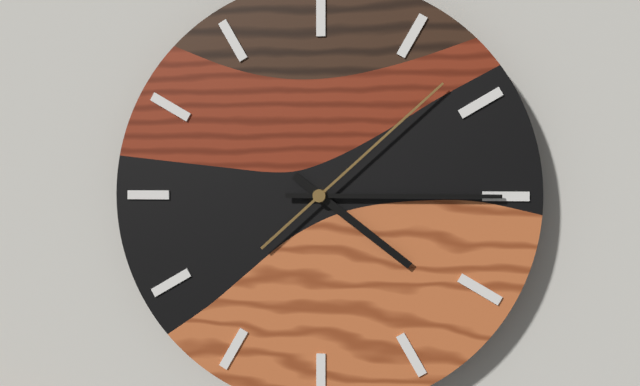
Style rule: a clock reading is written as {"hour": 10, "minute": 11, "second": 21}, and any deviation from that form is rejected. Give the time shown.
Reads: {"hour": 4, "minute": 15, "second": 8}
